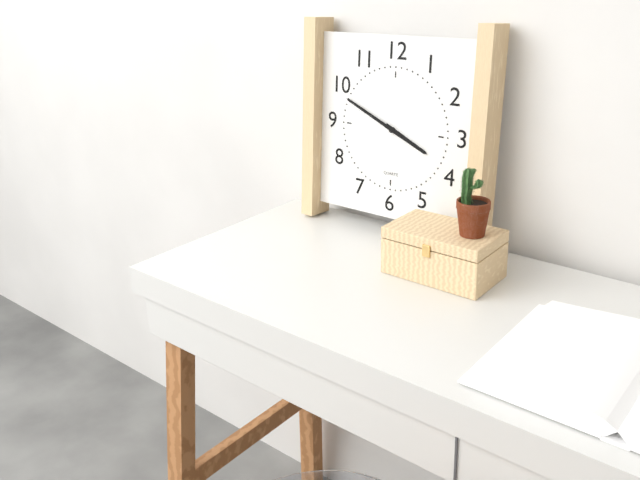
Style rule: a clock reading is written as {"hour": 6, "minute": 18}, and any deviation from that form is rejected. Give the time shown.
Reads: {"hour": 3, "minute": 49}
